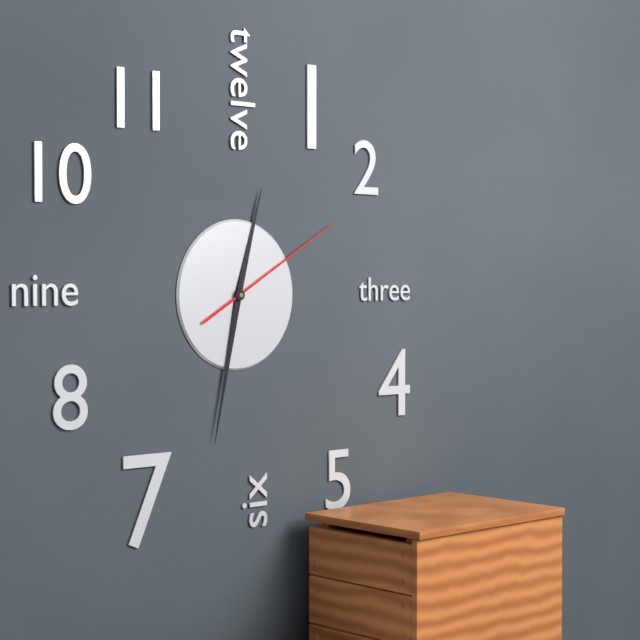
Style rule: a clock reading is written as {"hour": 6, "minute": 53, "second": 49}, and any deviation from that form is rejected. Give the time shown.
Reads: {"hour": 12, "minute": 32, "second": 10}
